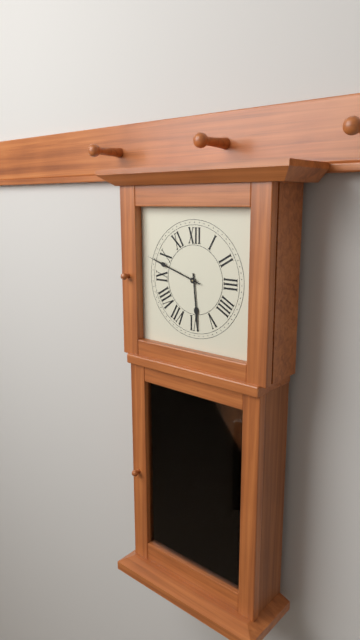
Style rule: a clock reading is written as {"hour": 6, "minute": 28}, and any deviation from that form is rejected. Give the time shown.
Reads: {"hour": 5, "minute": 48}
